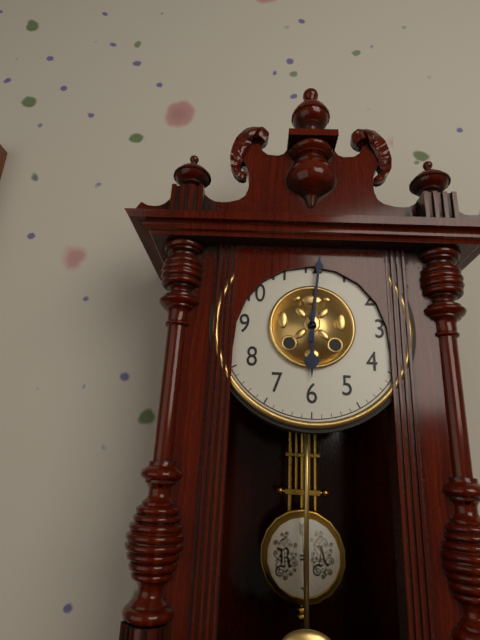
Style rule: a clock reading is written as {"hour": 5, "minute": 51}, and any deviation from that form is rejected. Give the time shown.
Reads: {"hour": 6, "minute": 1}
